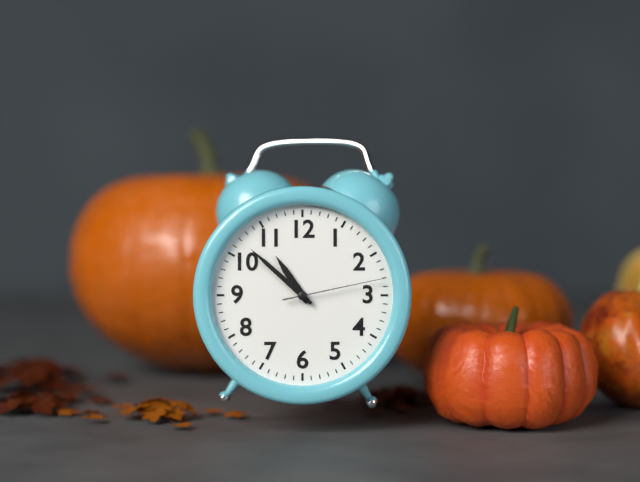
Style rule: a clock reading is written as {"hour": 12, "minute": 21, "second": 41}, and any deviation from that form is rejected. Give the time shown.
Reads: {"hour": 10, "minute": 52, "second": 13}
